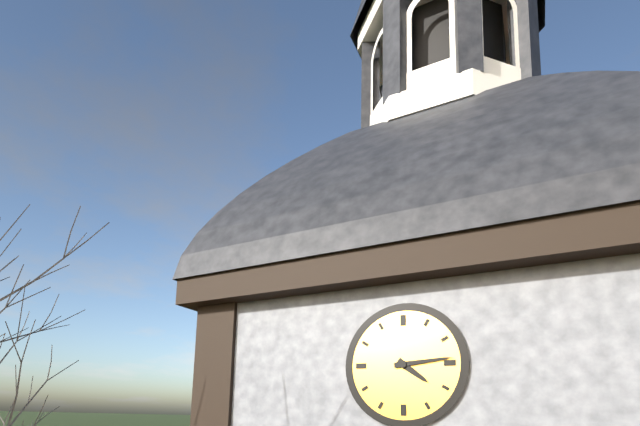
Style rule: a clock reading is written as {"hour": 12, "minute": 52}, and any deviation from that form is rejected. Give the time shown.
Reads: {"hour": 4, "minute": 14}
